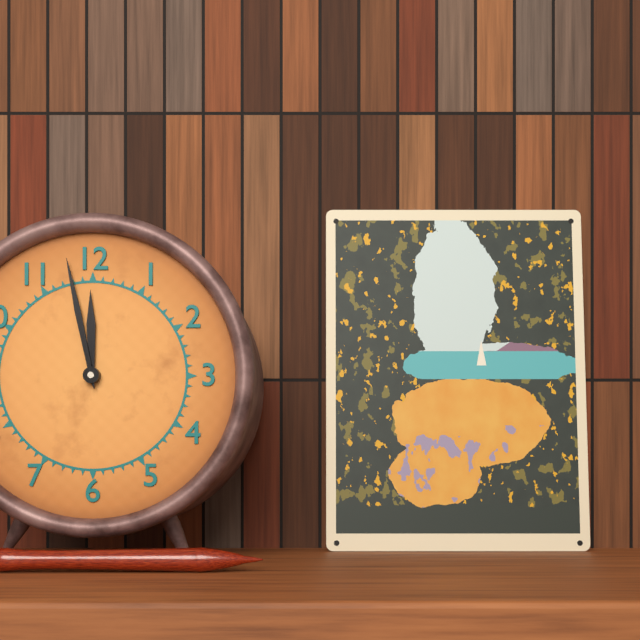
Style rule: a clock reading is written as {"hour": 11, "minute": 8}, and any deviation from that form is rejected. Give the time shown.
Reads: {"hour": 11, "minute": 58}
